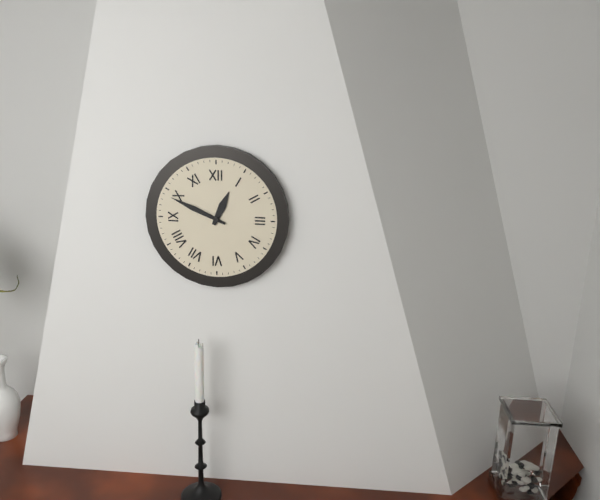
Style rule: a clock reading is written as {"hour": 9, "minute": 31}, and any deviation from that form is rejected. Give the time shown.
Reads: {"hour": 12, "minute": 49}
